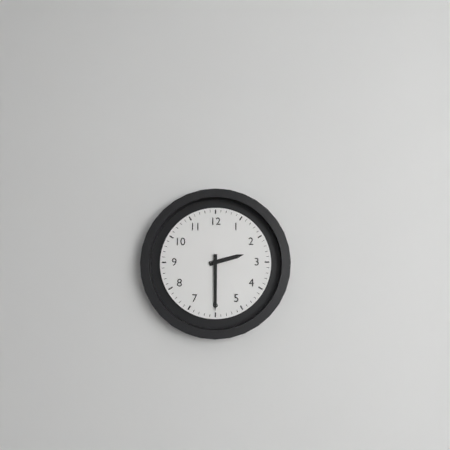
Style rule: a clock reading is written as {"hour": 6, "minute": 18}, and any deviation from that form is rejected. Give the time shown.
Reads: {"hour": 2, "minute": 30}
